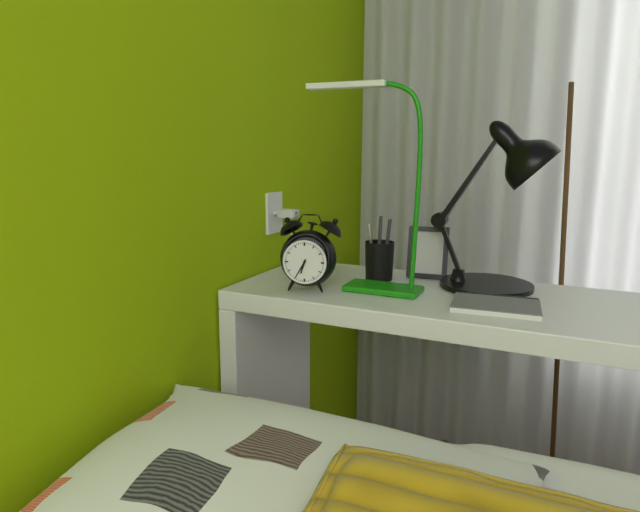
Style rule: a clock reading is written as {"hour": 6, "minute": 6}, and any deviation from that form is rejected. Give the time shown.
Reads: {"hour": 6, "minute": 35}
